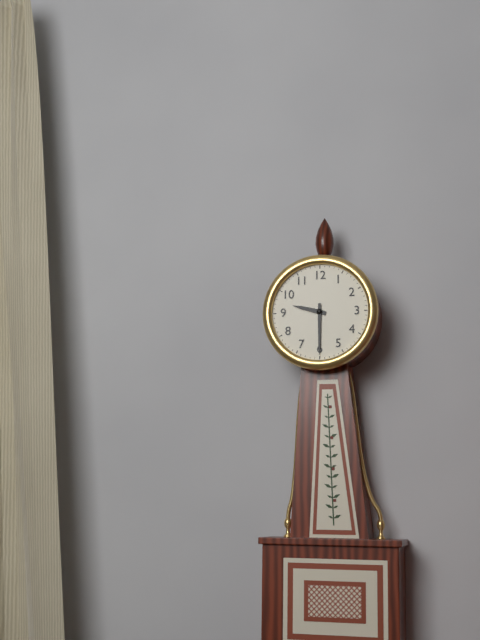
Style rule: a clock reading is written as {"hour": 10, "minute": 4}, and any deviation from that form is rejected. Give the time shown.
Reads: {"hour": 9, "minute": 30}
